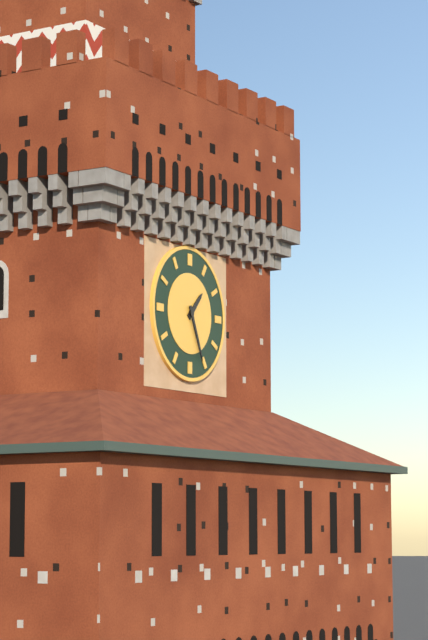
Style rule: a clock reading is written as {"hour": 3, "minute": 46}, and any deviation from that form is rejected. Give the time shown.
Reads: {"hour": 1, "minute": 26}
